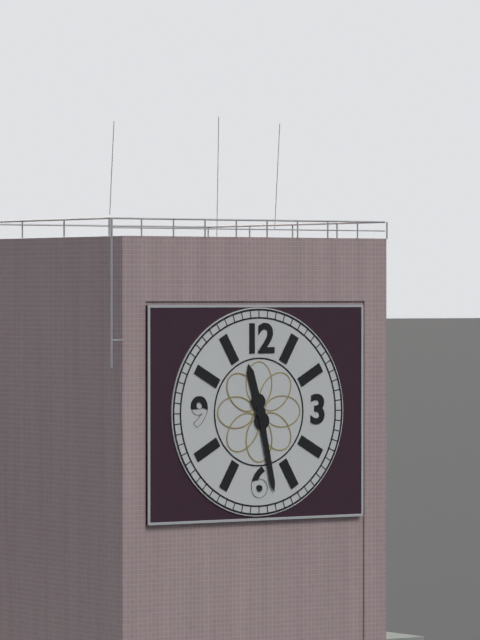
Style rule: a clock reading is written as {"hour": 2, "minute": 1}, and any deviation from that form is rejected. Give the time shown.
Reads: {"hour": 11, "minute": 28}
